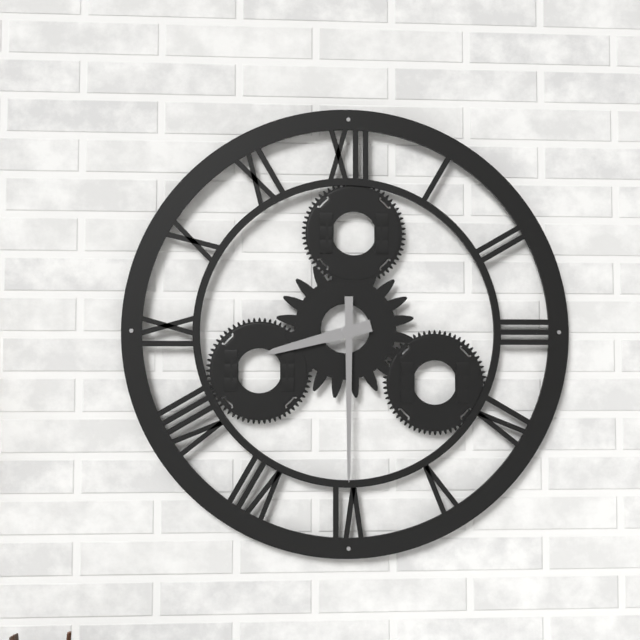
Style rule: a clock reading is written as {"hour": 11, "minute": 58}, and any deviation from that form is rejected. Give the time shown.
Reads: {"hour": 8, "minute": 30}
